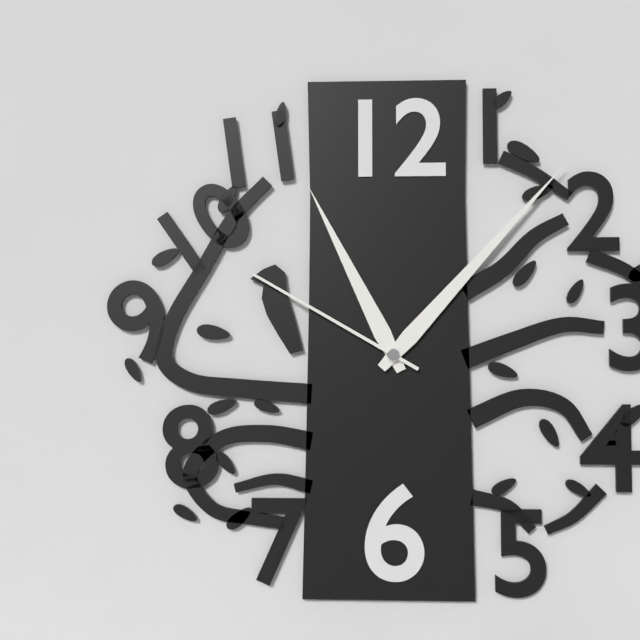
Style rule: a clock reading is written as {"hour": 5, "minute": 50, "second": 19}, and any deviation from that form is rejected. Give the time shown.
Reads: {"hour": 11, "minute": 7, "second": 50}
